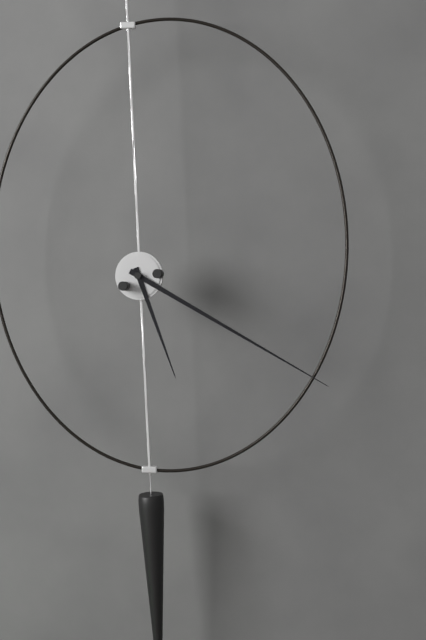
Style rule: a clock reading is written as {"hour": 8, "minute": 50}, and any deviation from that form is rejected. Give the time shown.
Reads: {"hour": 5, "minute": 20}
